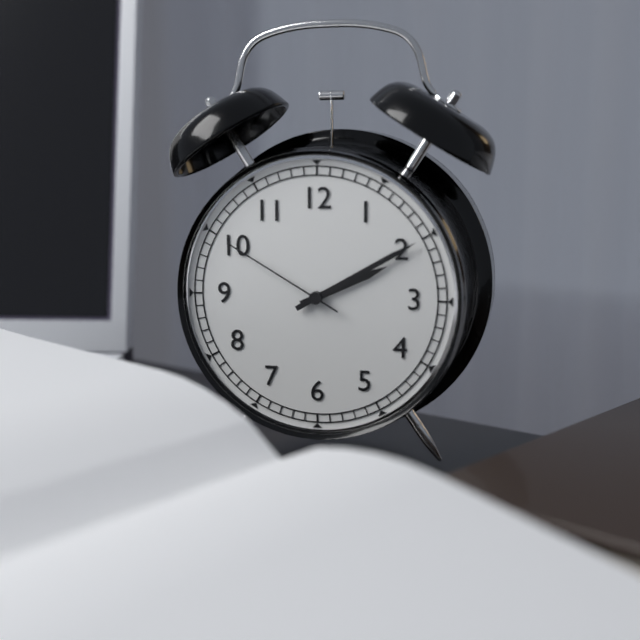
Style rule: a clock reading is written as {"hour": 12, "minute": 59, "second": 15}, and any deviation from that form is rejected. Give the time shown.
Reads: {"hour": 2, "minute": 10, "second": 50}
